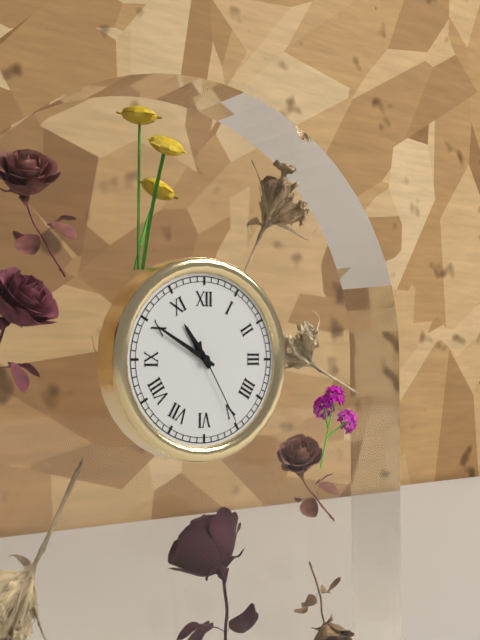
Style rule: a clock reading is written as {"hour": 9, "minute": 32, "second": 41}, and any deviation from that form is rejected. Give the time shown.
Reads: {"hour": 10, "minute": 50, "second": 25}
